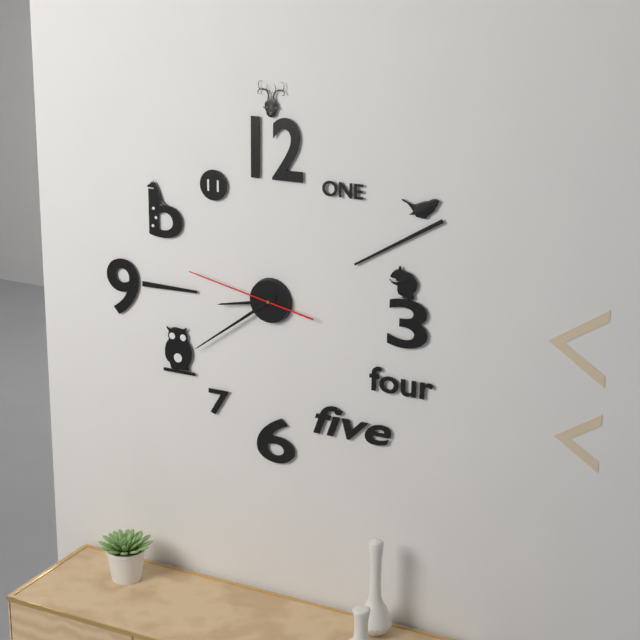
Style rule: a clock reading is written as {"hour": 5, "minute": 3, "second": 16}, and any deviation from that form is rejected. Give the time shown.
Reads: {"hour": 8, "minute": 39, "second": 47}
